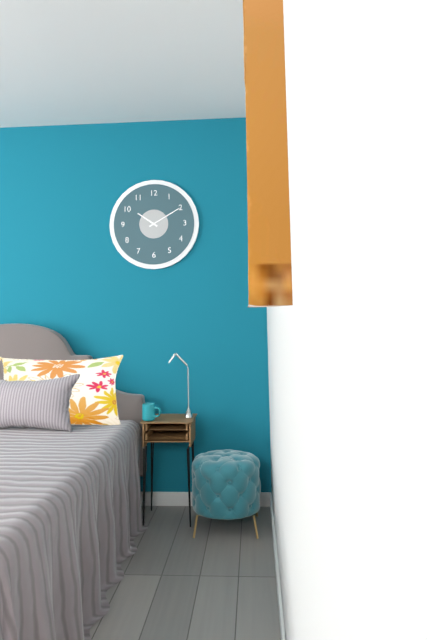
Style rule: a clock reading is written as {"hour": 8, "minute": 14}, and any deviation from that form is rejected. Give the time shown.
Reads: {"hour": 10, "minute": 10}
